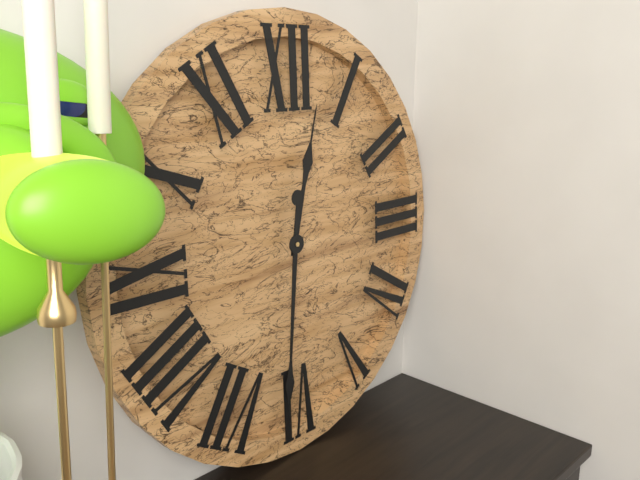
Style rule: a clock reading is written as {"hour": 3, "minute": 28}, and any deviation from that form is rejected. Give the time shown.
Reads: {"hour": 12, "minute": 31}
